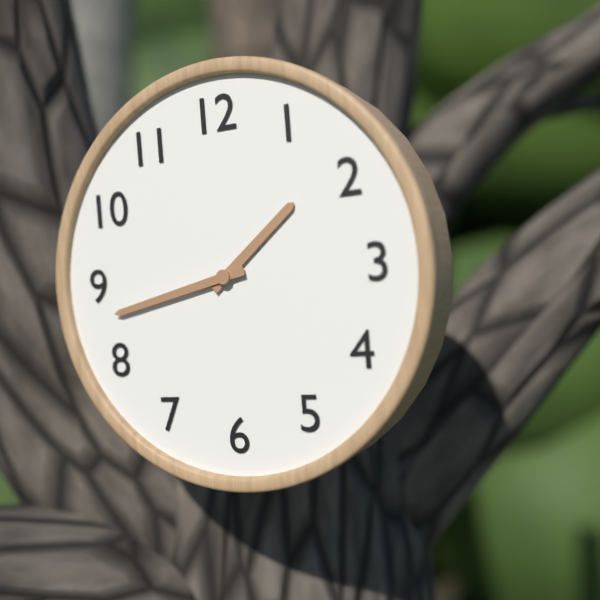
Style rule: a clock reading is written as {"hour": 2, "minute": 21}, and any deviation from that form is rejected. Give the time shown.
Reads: {"hour": 1, "minute": 43}
